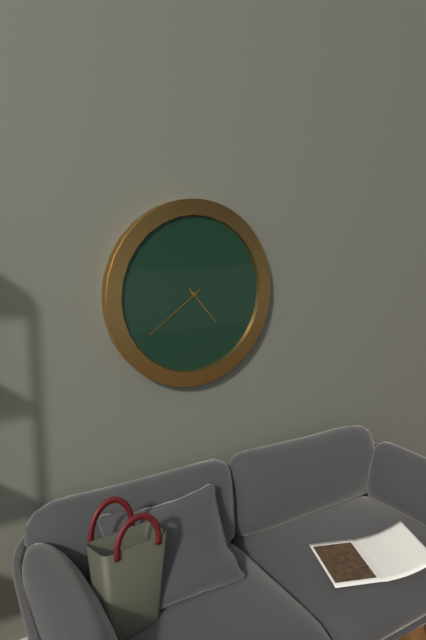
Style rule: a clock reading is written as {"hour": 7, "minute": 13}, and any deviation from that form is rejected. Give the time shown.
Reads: {"hour": 4, "minute": 39}
